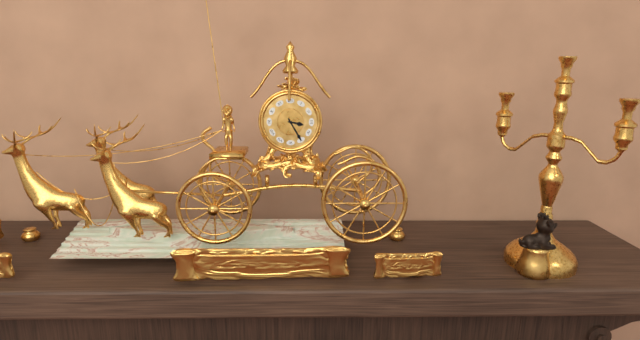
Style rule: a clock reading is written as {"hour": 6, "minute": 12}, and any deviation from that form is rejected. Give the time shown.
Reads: {"hour": 3, "minute": 25}
